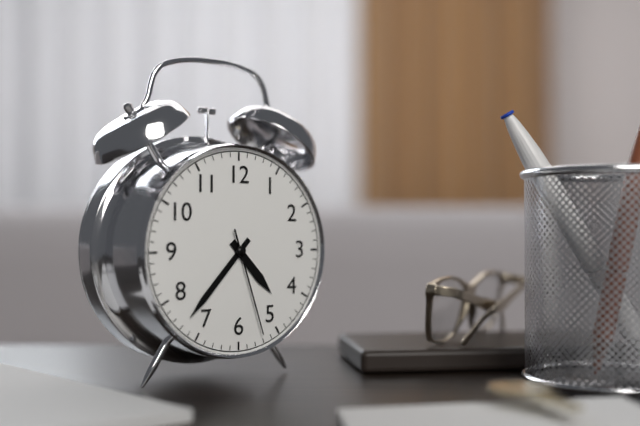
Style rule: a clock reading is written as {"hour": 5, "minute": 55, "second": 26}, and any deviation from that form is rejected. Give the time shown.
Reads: {"hour": 4, "minute": 37, "second": 27}
